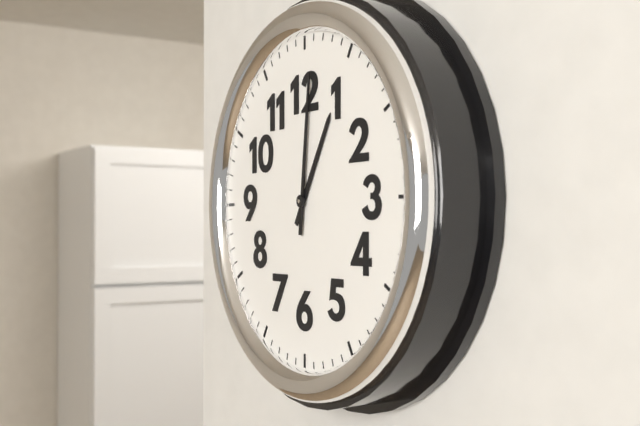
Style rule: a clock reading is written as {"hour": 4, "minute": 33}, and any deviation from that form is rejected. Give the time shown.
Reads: {"hour": 1, "minute": 1}
